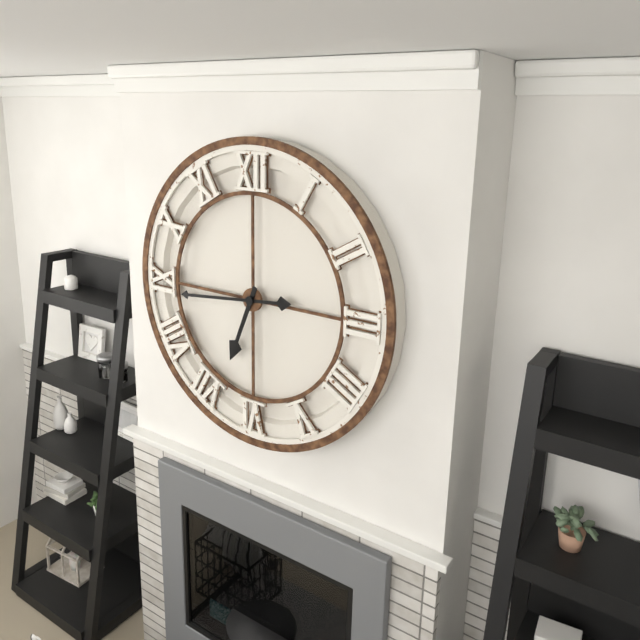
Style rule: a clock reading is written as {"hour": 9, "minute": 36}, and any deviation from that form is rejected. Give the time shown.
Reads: {"hour": 6, "minute": 44}
